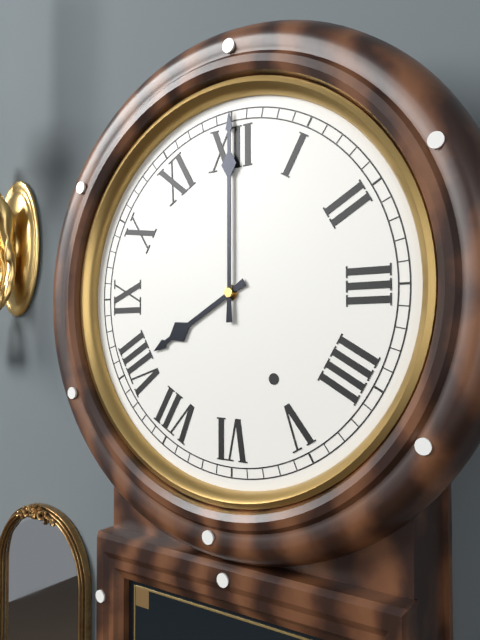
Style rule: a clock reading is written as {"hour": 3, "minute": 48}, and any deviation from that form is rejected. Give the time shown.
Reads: {"hour": 8, "minute": 0}
